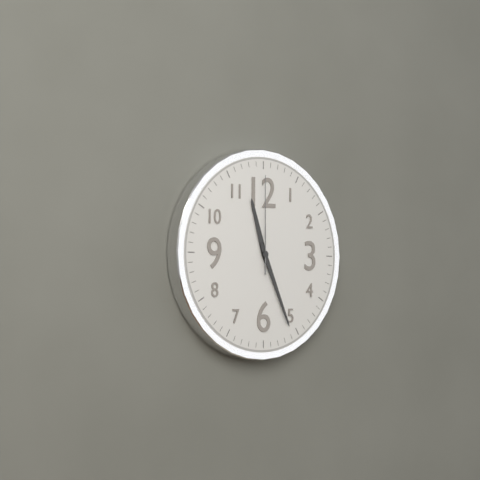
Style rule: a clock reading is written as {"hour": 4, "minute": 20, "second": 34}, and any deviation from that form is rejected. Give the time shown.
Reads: {"hour": 11, "minute": 26, "second": 0}
